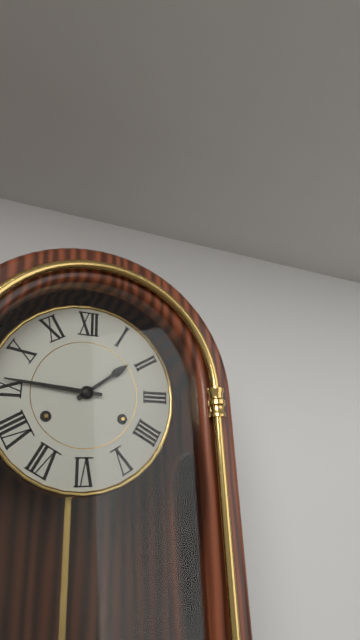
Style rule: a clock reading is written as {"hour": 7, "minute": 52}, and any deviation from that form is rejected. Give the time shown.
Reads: {"hour": 1, "minute": 46}
